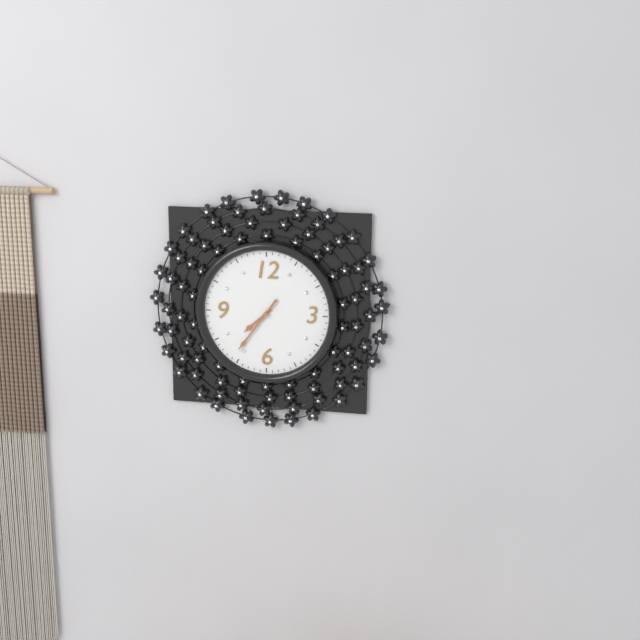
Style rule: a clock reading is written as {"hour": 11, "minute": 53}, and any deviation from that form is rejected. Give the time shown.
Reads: {"hour": 7, "minute": 36}
